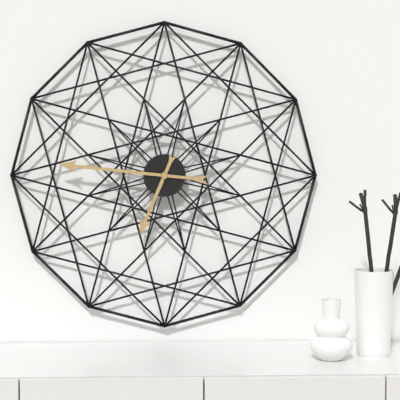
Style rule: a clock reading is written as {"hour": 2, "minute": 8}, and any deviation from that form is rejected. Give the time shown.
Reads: {"hour": 6, "minute": 46}
